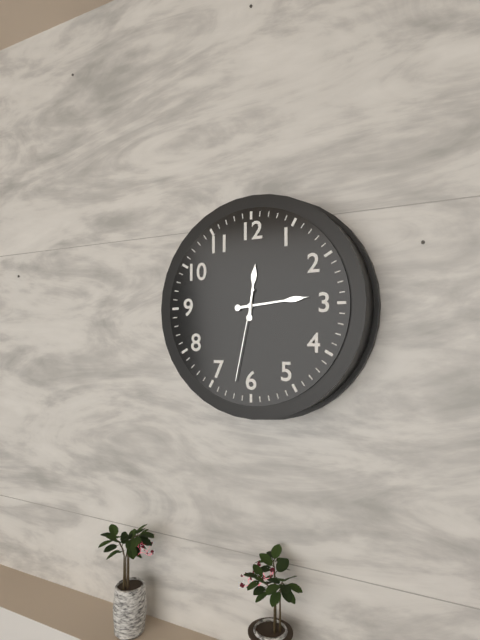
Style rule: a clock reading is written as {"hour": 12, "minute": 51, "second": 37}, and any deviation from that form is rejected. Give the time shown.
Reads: {"hour": 12, "minute": 14, "second": 32}
